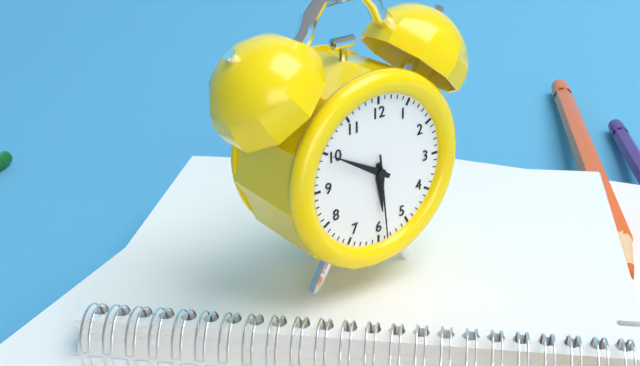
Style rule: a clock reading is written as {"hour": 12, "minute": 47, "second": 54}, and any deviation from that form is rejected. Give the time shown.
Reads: {"hour": 5, "minute": 50, "second": 29}
